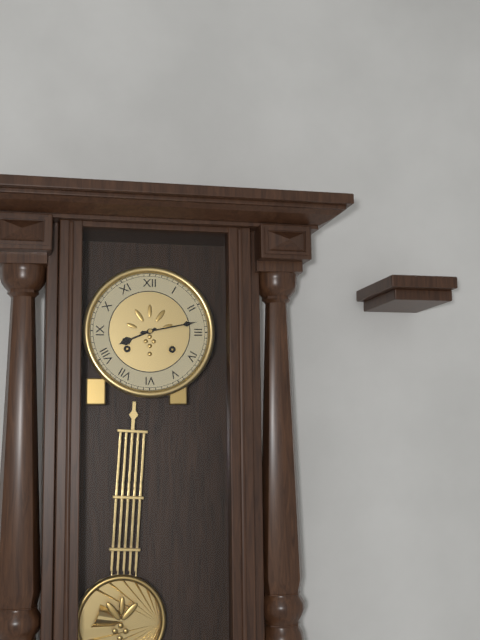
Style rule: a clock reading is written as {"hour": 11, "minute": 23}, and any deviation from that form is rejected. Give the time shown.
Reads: {"hour": 8, "minute": 13}
